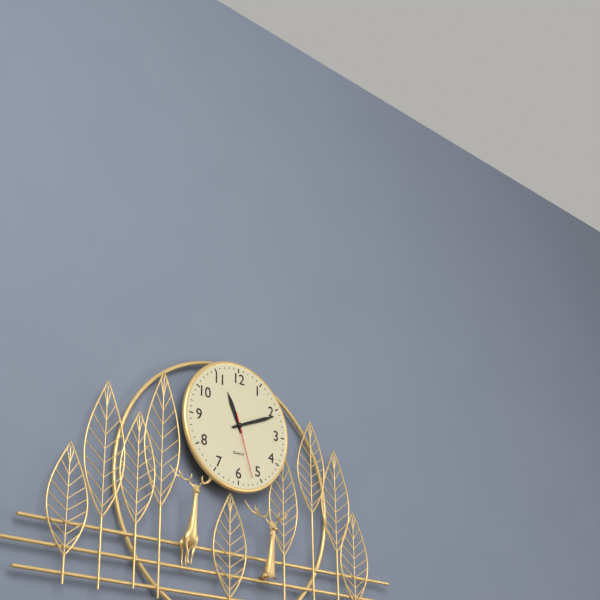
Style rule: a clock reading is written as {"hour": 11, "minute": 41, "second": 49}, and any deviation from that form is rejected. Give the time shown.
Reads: {"hour": 11, "minute": 11, "second": 27}
